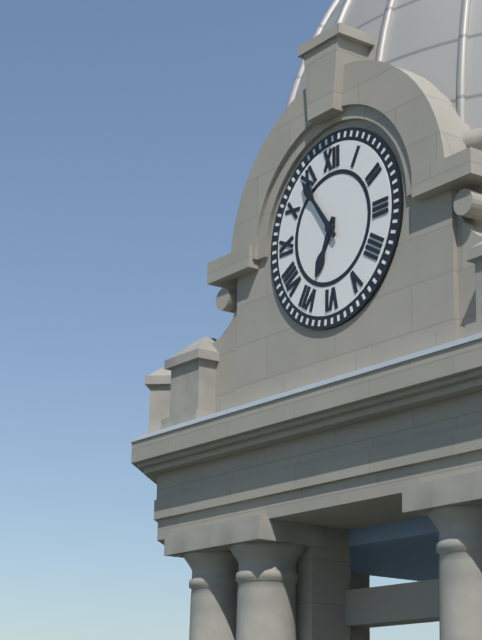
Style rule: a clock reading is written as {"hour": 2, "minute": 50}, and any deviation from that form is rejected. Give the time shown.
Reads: {"hour": 6, "minute": 54}
